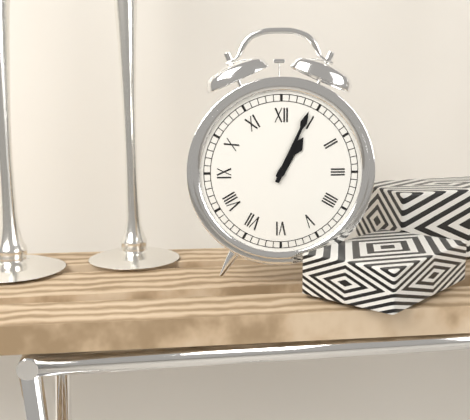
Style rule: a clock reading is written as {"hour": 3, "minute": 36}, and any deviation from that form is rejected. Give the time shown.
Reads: {"hour": 1, "minute": 4}
